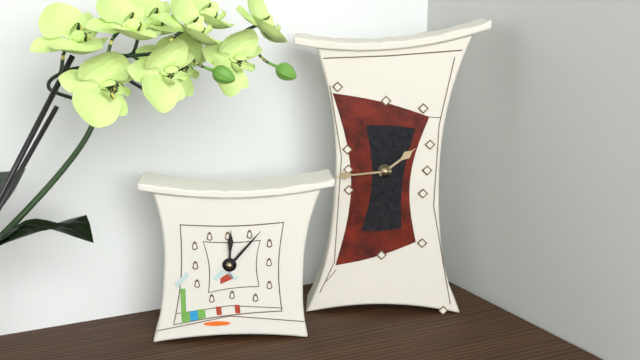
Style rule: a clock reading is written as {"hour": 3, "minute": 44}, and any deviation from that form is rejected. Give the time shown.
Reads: {"hour": 1, "minute": 44}
